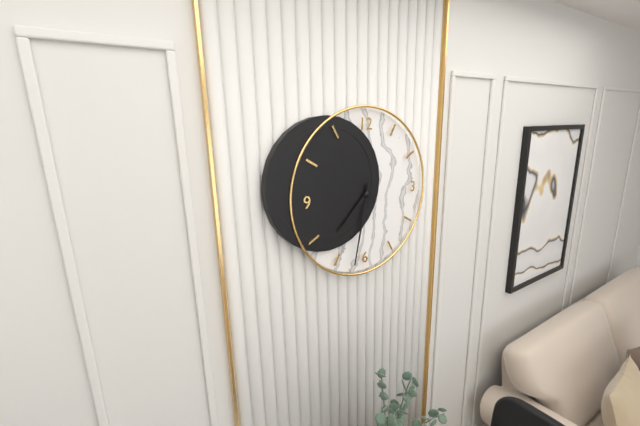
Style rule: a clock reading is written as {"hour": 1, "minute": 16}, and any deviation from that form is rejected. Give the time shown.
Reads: {"hour": 7, "minute": 32}
